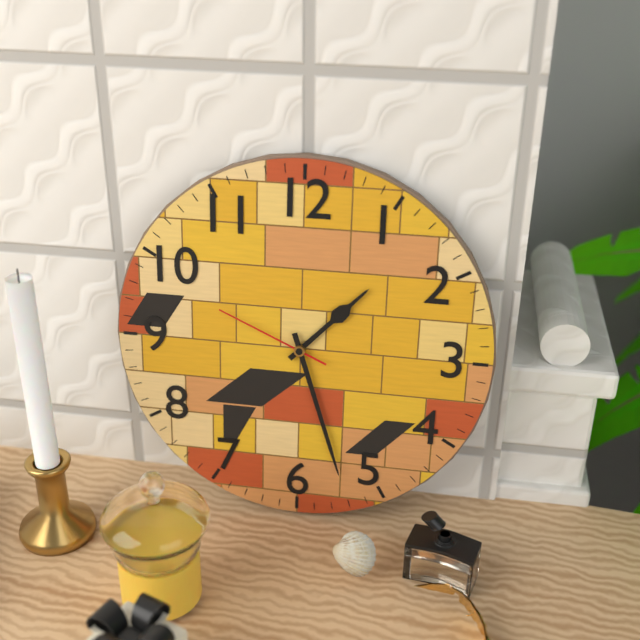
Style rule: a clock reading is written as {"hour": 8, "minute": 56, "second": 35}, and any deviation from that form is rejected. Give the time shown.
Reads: {"hour": 1, "minute": 27, "second": 49}
